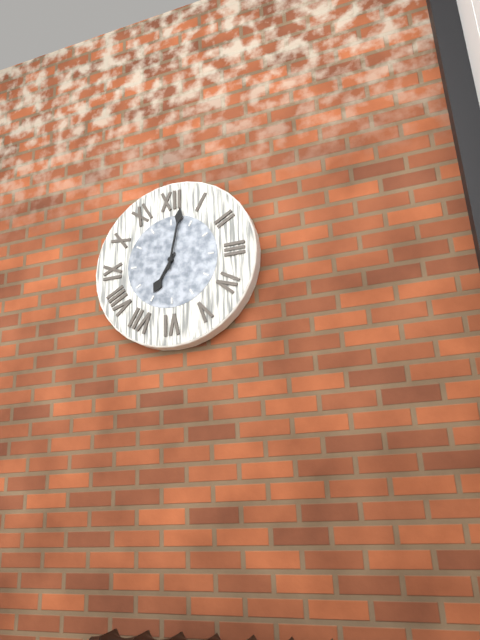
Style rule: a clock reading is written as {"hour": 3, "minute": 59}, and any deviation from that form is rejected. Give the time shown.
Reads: {"hour": 7, "minute": 2}
